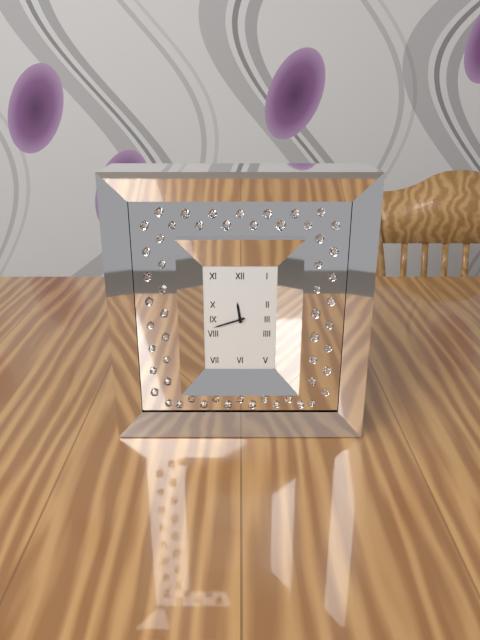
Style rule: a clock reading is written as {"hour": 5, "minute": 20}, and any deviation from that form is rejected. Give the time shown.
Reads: {"hour": 11, "minute": 42}
